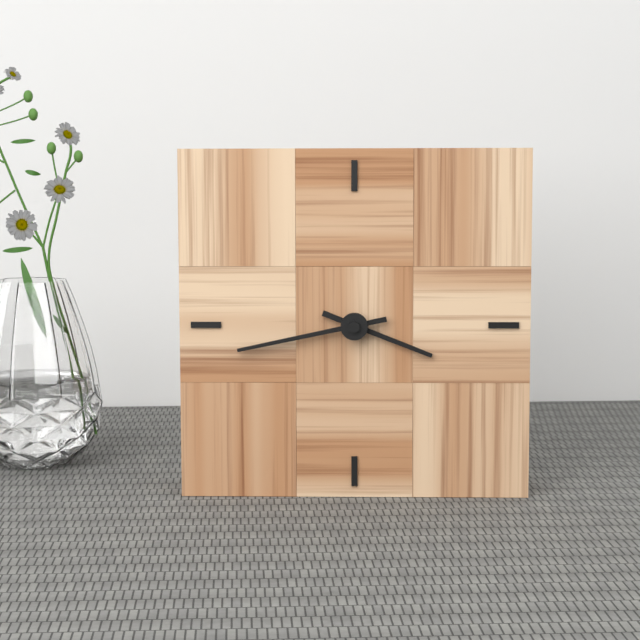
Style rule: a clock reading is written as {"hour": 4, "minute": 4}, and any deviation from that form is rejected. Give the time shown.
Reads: {"hour": 3, "minute": 43}
